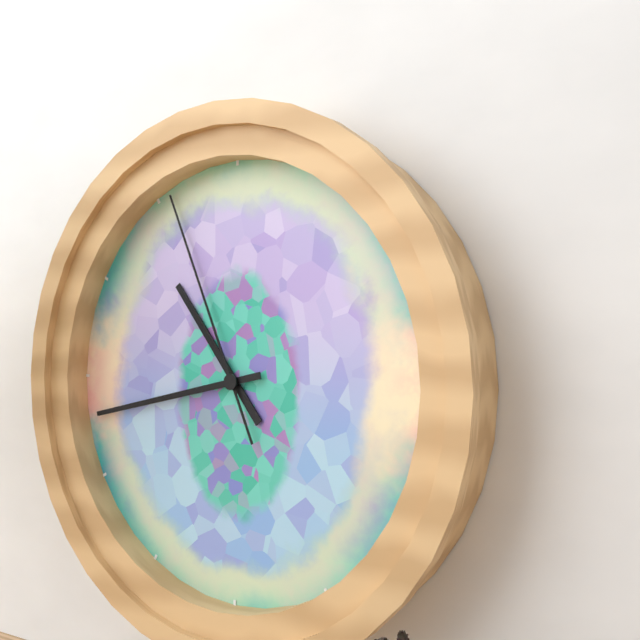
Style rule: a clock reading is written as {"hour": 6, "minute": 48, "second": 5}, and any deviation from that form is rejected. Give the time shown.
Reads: {"hour": 10, "minute": 43, "second": 56}
